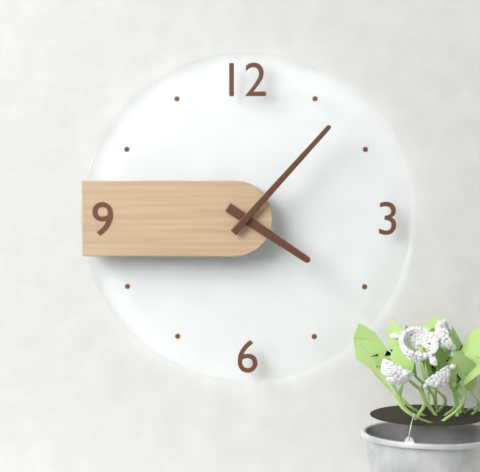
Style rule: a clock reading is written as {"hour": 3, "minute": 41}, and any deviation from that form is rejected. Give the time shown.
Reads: {"hour": 4, "minute": 7}
